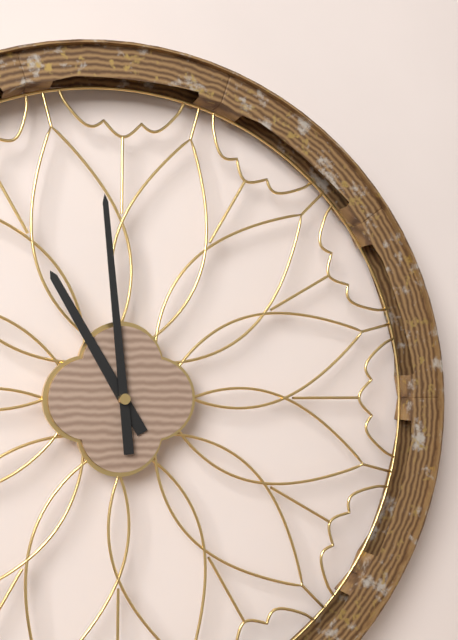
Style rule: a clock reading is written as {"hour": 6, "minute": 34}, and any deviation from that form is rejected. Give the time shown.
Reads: {"hour": 10, "minute": 59}
